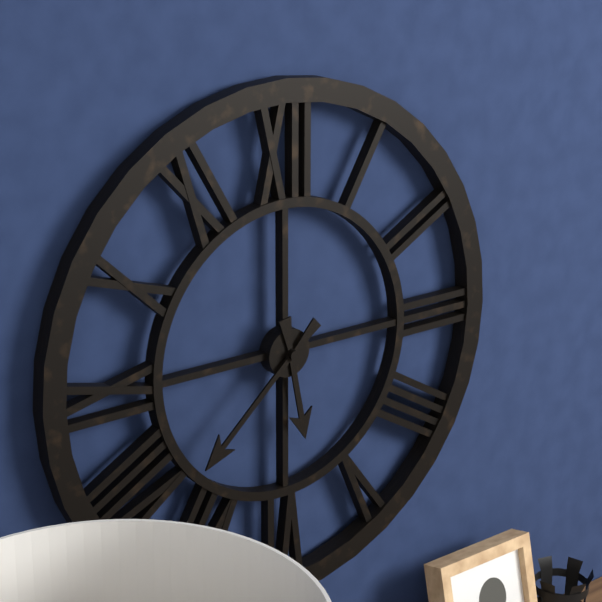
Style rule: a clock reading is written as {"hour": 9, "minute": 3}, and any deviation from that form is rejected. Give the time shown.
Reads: {"hour": 5, "minute": 38}
